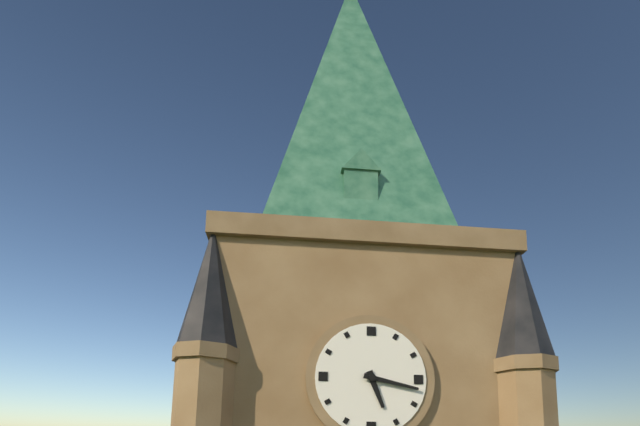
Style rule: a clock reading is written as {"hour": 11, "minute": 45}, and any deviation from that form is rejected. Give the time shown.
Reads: {"hour": 5, "minute": 17}
